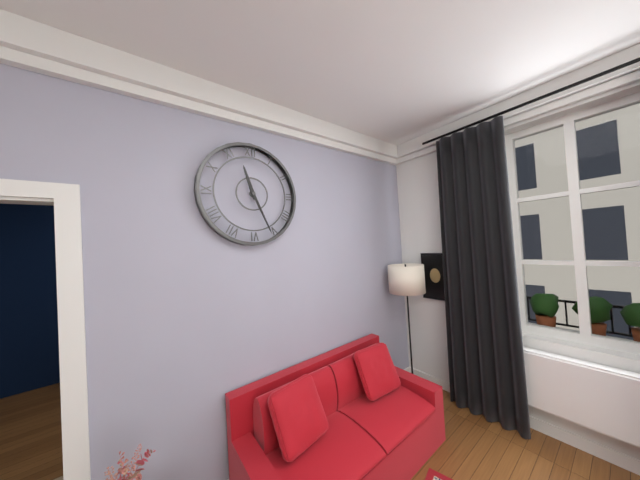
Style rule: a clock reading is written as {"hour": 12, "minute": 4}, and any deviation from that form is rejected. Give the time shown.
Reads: {"hour": 11, "minute": 26}
